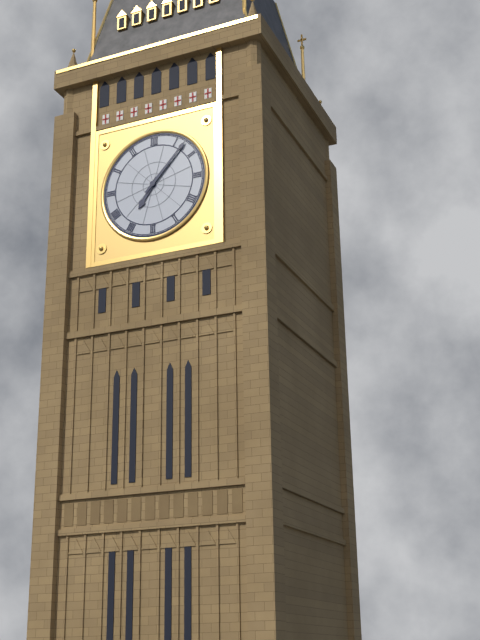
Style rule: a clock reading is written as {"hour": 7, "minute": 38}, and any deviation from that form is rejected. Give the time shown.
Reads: {"hour": 7, "minute": 7}
